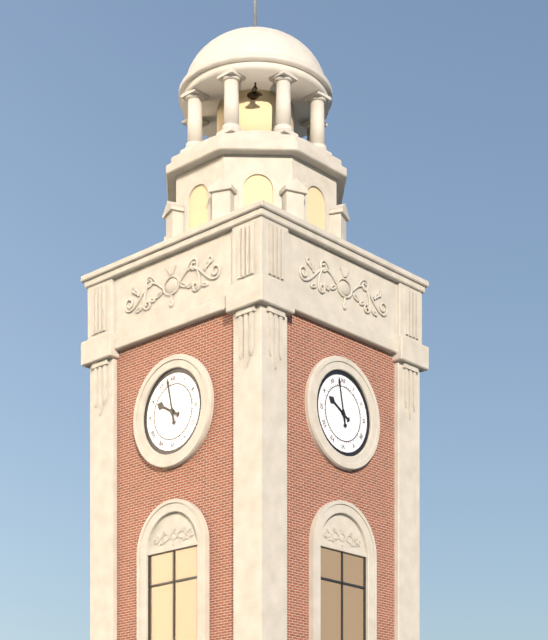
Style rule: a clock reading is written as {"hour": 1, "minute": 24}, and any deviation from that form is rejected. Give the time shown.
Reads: {"hour": 9, "minute": 58}
